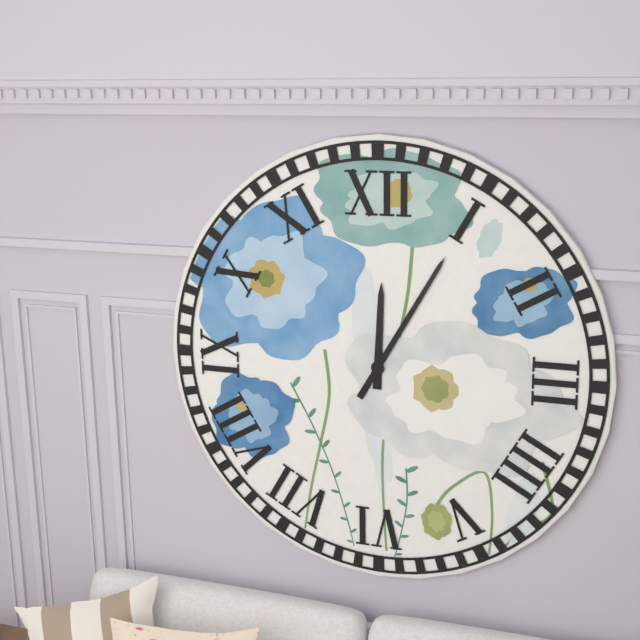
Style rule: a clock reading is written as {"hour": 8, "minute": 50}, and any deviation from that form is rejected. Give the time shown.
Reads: {"hour": 12, "minute": 5}
